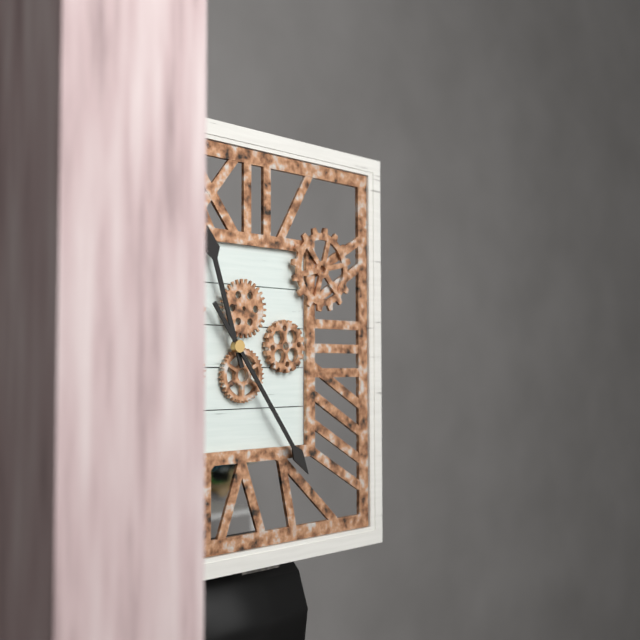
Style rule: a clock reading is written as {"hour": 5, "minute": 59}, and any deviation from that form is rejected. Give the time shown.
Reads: {"hour": 11, "minute": 24}
